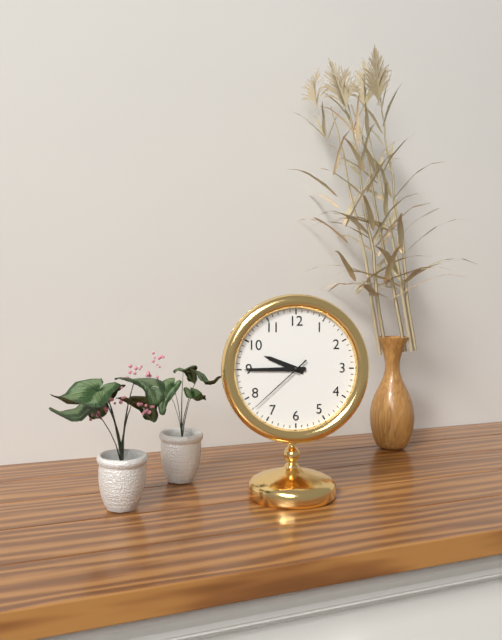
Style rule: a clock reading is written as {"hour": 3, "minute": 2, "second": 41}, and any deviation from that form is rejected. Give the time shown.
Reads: {"hour": 9, "minute": 45, "second": 38}
